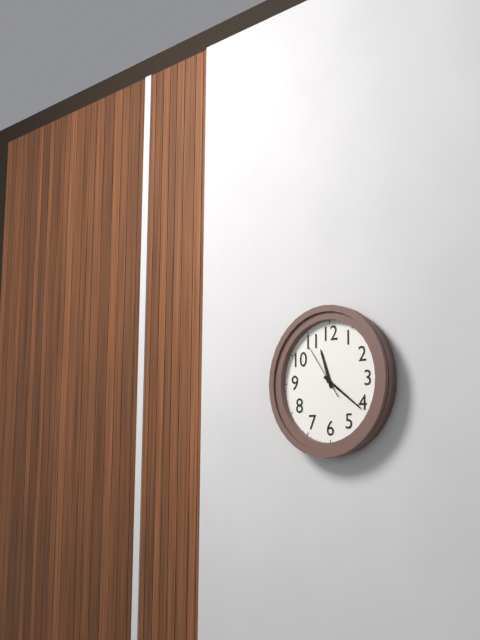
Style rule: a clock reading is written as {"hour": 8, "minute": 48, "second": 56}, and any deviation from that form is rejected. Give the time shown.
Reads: {"hour": 11, "minute": 21, "second": 54}
